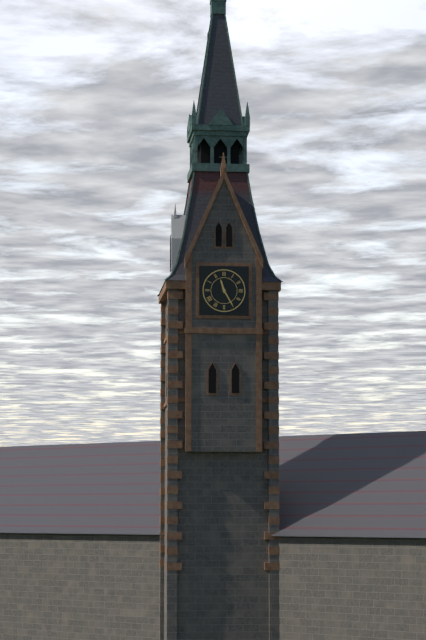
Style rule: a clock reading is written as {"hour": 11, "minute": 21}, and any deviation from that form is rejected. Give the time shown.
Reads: {"hour": 11, "minute": 25}
